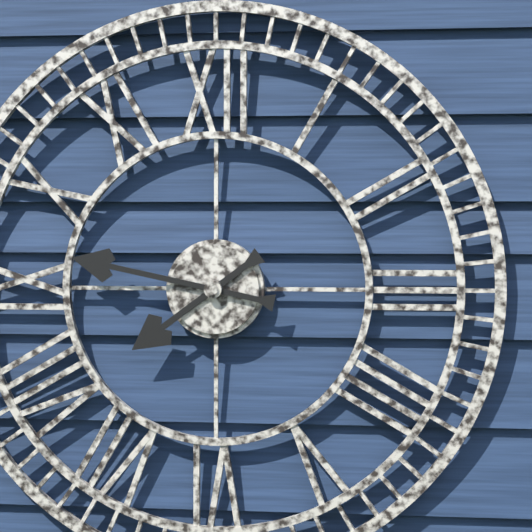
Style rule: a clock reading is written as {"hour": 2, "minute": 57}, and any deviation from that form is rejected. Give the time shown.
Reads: {"hour": 7, "minute": 47}
